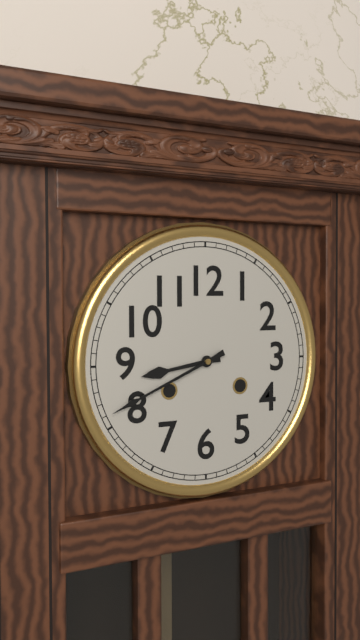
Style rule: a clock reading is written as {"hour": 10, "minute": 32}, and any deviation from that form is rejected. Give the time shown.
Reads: {"hour": 8, "minute": 41}
